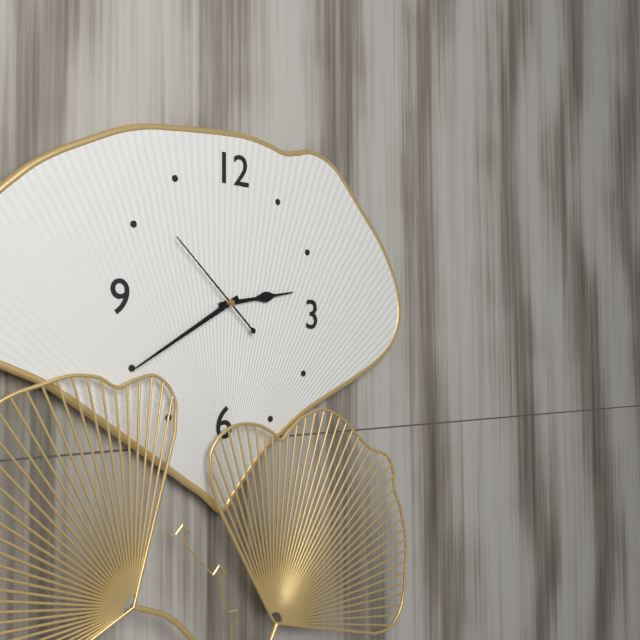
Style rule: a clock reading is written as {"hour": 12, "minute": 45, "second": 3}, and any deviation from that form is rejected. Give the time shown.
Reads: {"hour": 2, "minute": 40, "second": 52}
